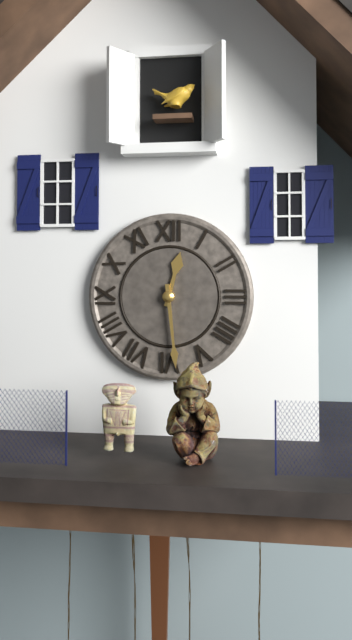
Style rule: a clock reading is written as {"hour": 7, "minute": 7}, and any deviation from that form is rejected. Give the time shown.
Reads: {"hour": 12, "minute": 29}
